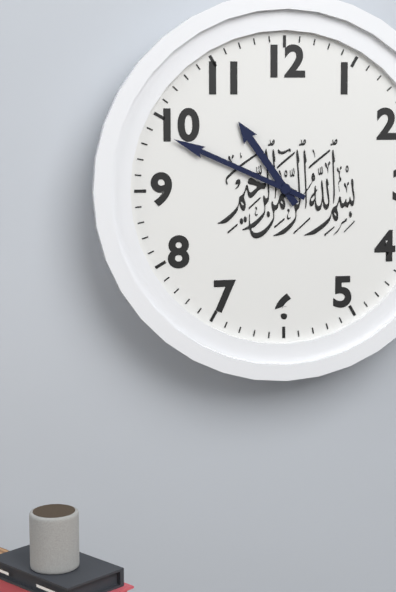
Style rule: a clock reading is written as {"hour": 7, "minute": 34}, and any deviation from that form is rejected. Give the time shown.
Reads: {"hour": 10, "minute": 49}
